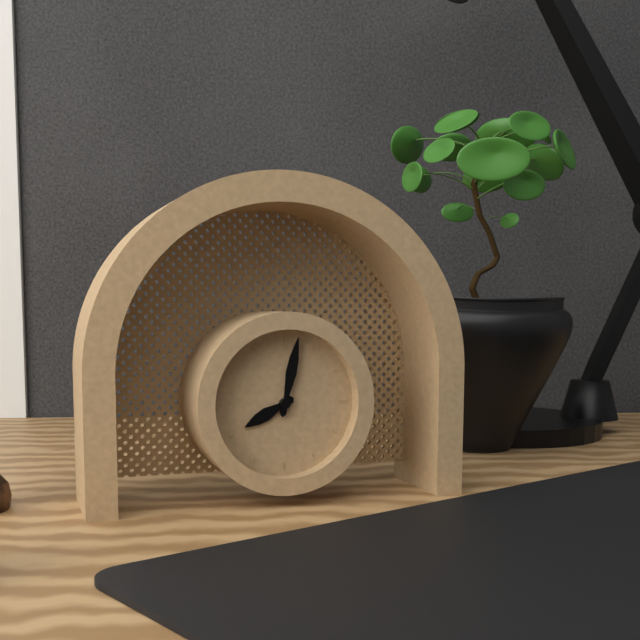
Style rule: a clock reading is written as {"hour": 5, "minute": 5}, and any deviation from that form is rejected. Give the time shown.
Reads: {"hour": 8, "minute": 2}
